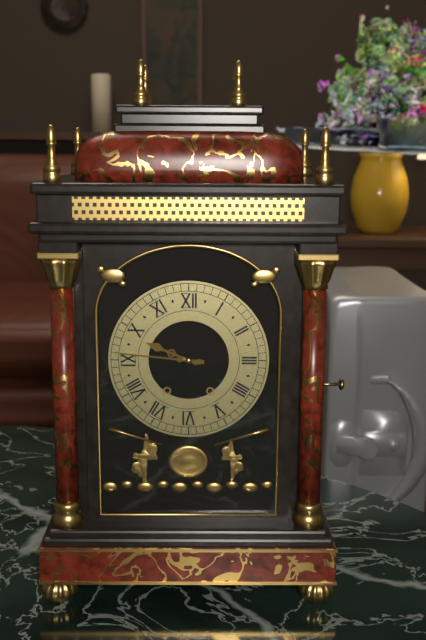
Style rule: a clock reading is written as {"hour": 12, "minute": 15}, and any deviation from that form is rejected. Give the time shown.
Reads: {"hour": 9, "minute": 46}
